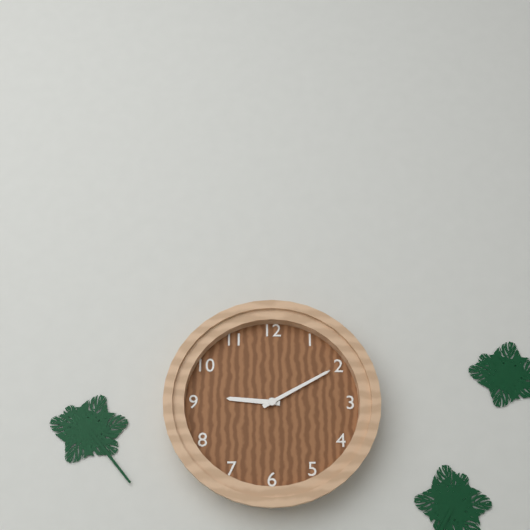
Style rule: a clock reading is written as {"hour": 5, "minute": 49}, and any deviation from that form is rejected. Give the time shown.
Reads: {"hour": 9, "minute": 10}
